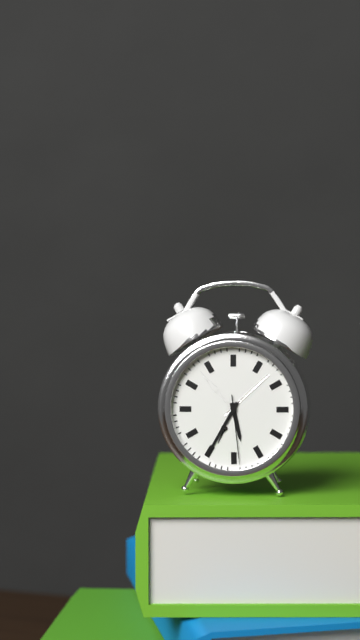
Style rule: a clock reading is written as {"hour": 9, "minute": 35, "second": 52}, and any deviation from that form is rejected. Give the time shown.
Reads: {"hour": 5, "minute": 35, "second": 29}
